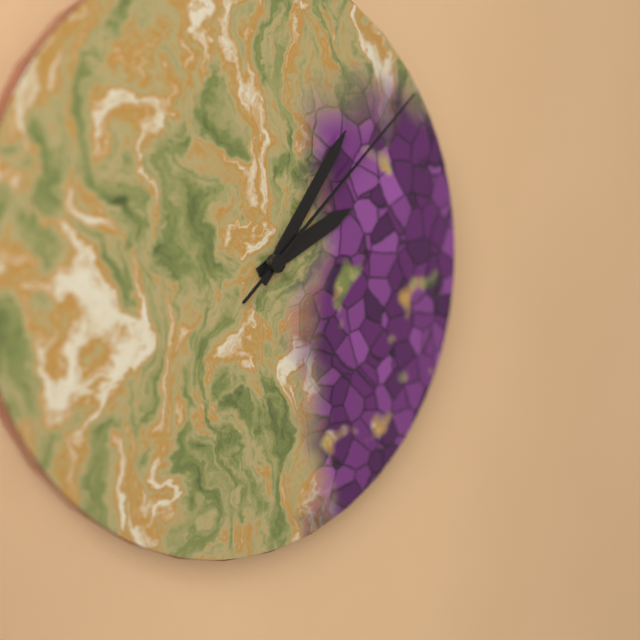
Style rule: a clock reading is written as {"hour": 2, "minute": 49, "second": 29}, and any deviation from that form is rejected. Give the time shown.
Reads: {"hour": 2, "minute": 6, "second": 8}
